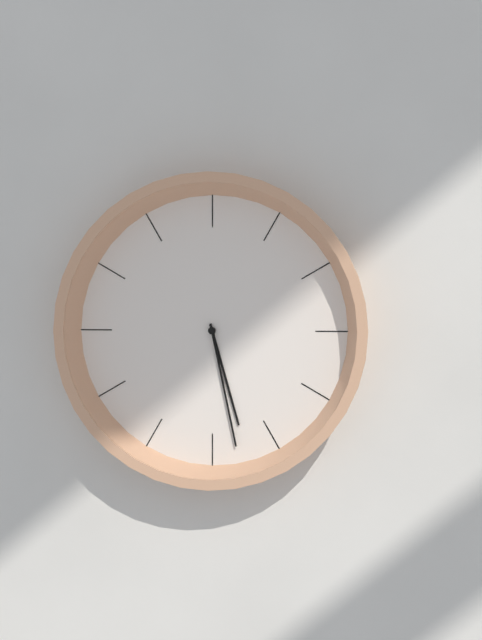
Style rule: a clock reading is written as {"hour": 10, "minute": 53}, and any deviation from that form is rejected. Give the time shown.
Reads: {"hour": 5, "minute": 28}
